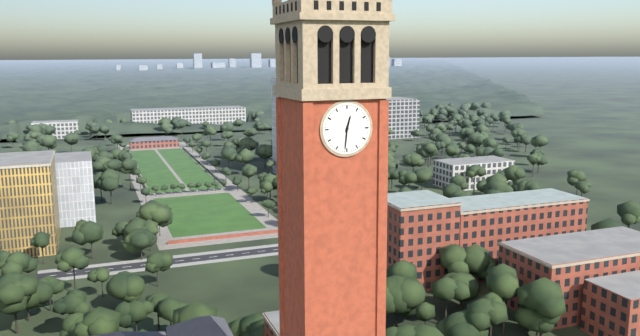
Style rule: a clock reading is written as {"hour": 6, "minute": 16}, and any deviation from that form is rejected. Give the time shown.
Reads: {"hour": 12, "minute": 31}
